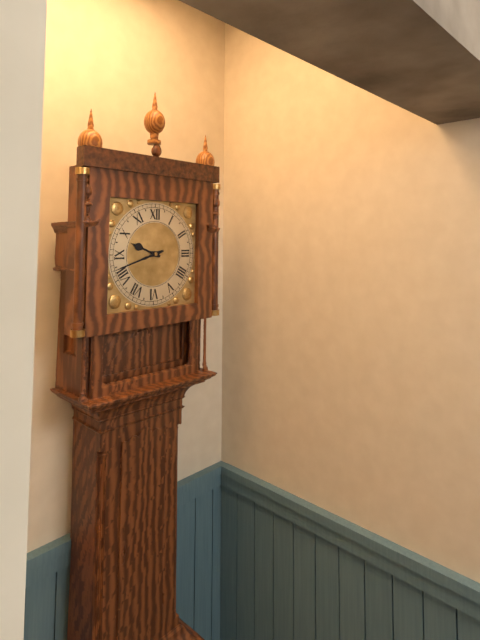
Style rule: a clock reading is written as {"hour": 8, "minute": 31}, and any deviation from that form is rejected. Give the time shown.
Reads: {"hour": 9, "minute": 42}
